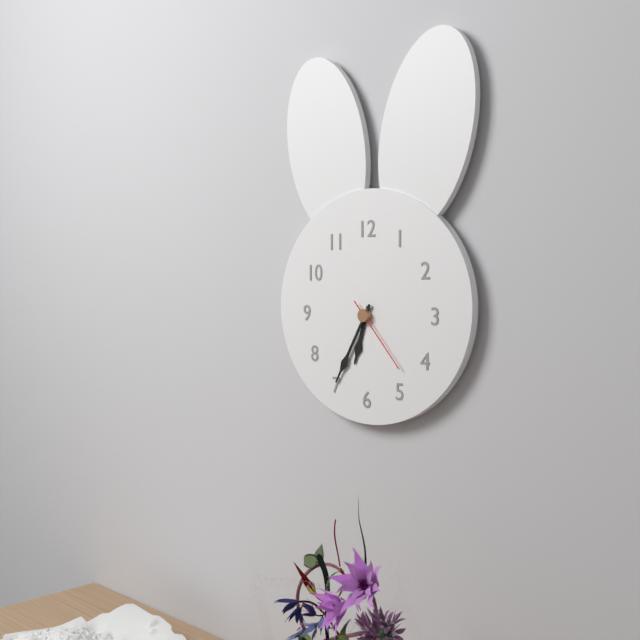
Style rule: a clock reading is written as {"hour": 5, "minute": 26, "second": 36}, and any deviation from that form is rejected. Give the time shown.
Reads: {"hour": 6, "minute": 35, "second": 23}
